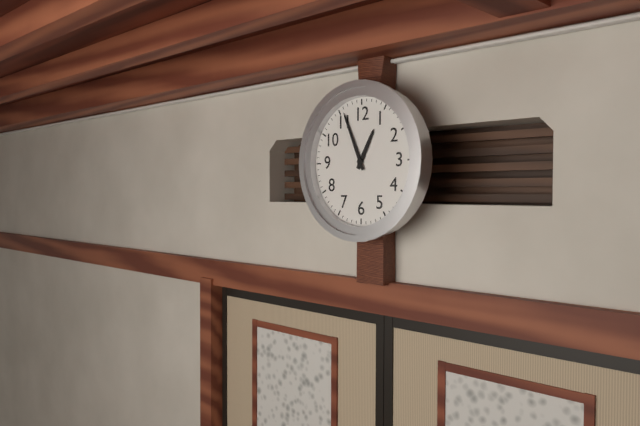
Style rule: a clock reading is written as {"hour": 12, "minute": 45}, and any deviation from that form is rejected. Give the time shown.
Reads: {"hour": 12, "minute": 56}
